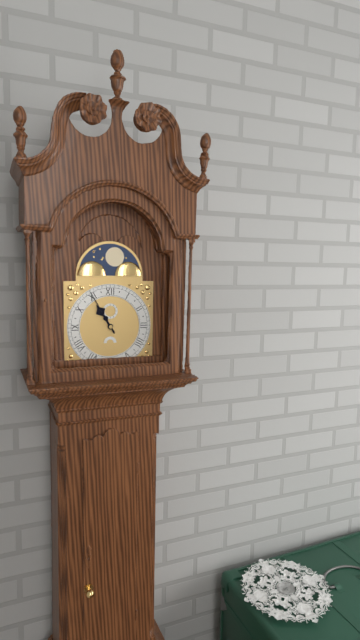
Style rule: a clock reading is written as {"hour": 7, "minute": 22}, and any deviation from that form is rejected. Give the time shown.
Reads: {"hour": 10, "minute": 55}
